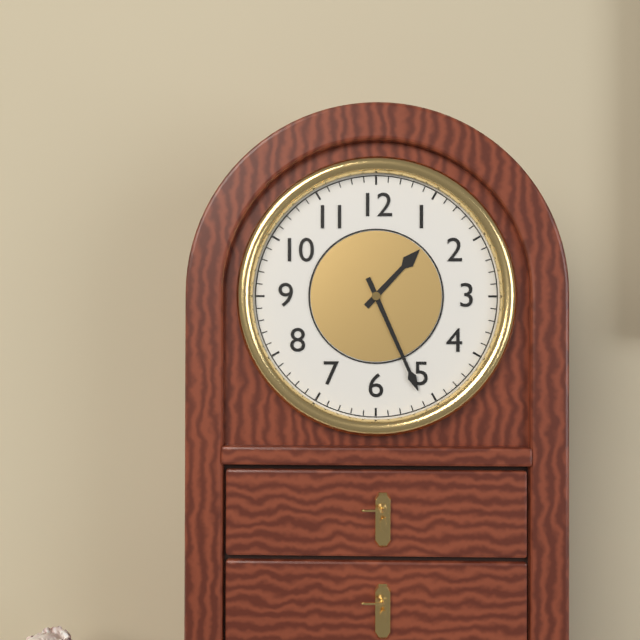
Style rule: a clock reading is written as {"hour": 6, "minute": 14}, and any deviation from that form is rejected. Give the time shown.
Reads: {"hour": 1, "minute": 26}
